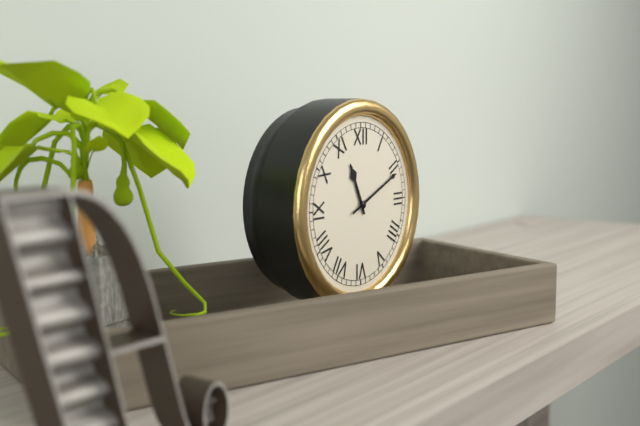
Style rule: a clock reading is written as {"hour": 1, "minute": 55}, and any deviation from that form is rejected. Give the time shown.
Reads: {"hour": 11, "minute": 11}
